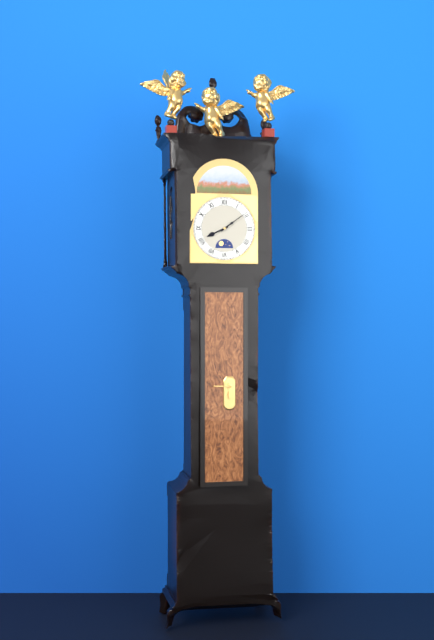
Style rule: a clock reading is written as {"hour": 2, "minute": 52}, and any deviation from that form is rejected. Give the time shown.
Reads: {"hour": 8, "minute": 9}
